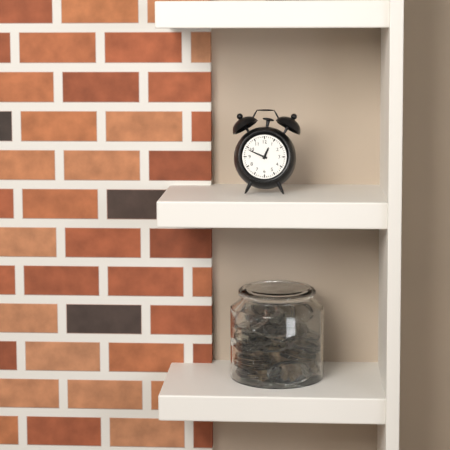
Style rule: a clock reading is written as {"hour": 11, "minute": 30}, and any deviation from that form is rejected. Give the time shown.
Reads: {"hour": 12, "minute": 49}
